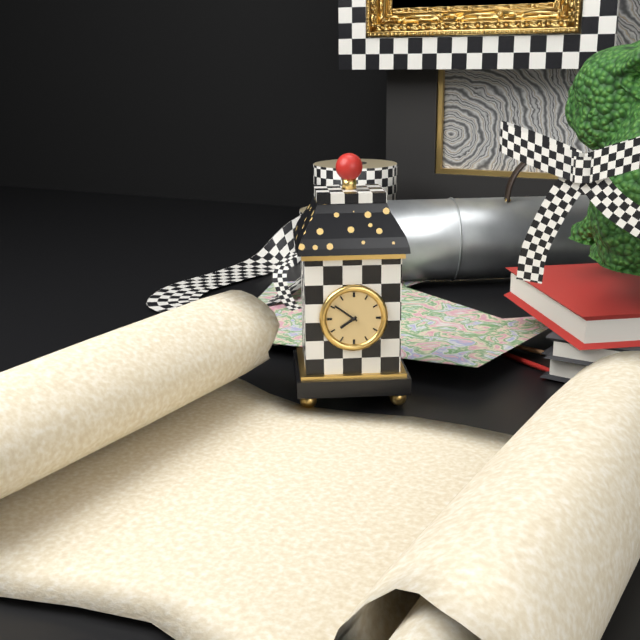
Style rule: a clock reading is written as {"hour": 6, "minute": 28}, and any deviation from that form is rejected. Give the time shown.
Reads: {"hour": 7, "minute": 51}
